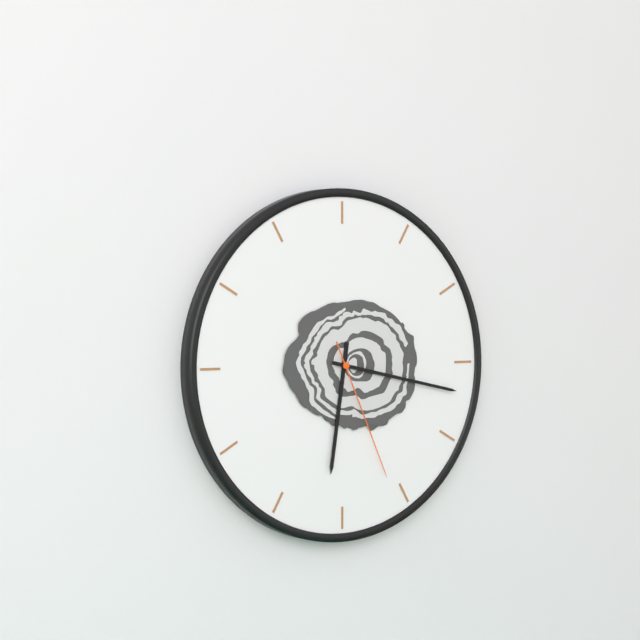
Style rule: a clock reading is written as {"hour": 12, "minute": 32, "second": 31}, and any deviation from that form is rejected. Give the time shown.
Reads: {"hour": 6, "minute": 17, "second": 26}
